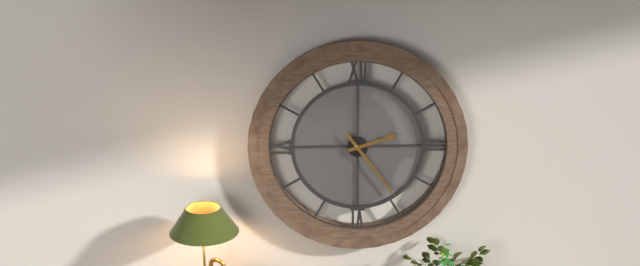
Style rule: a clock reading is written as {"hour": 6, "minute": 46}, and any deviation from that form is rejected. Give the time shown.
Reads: {"hour": 2, "minute": 24}
